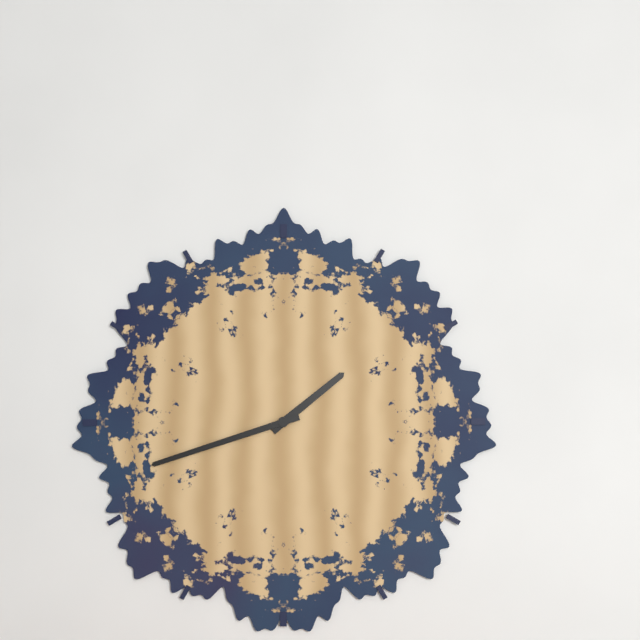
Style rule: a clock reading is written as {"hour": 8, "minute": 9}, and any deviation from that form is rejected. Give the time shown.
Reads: {"hour": 1, "minute": 42}
